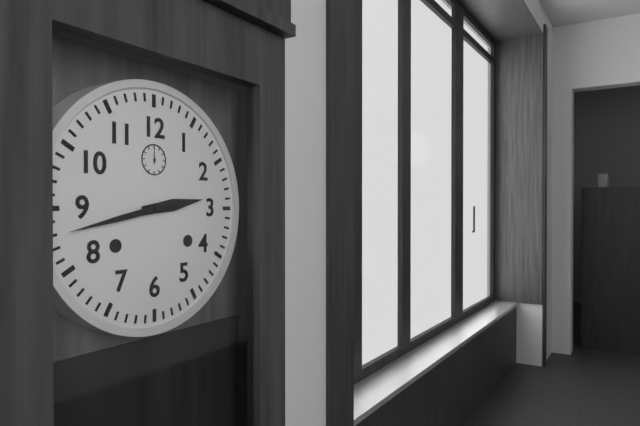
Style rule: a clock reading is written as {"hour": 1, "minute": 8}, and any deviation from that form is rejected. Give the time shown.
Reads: {"hour": 2, "minute": 43}
